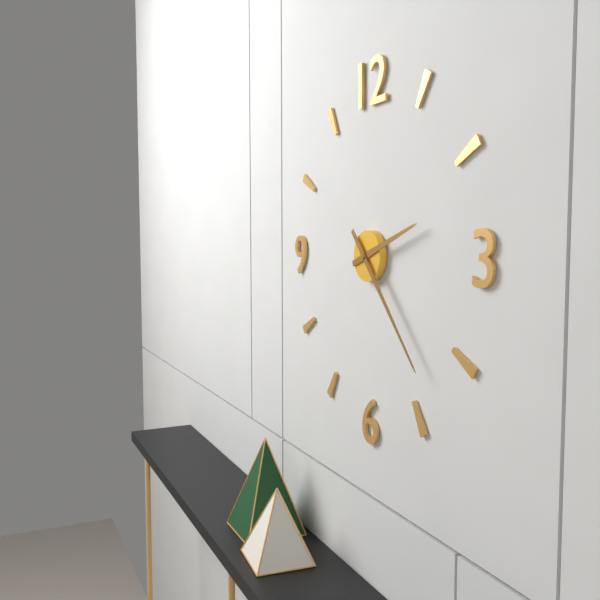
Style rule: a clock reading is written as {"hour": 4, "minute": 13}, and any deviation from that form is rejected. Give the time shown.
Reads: {"hour": 2, "minute": 23}
